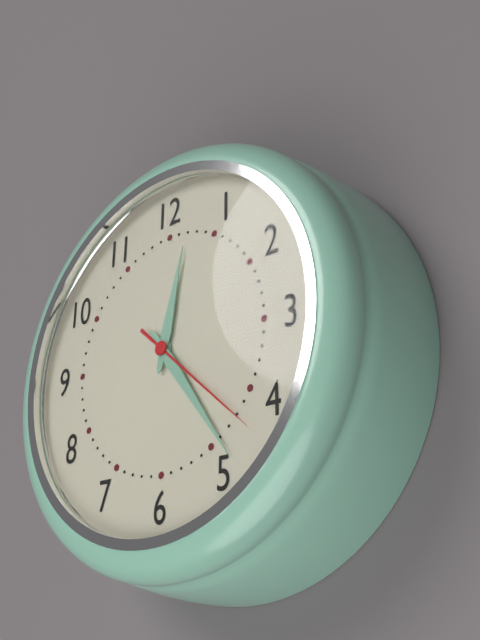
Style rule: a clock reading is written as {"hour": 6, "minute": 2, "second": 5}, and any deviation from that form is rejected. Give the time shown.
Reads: {"hour": 12, "minute": 24, "second": 22}
